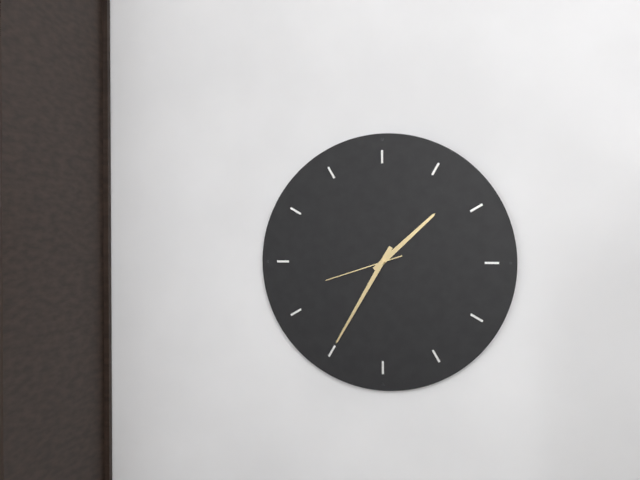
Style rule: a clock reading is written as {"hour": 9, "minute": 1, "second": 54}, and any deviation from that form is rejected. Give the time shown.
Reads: {"hour": 1, "minute": 35, "second": 42}
